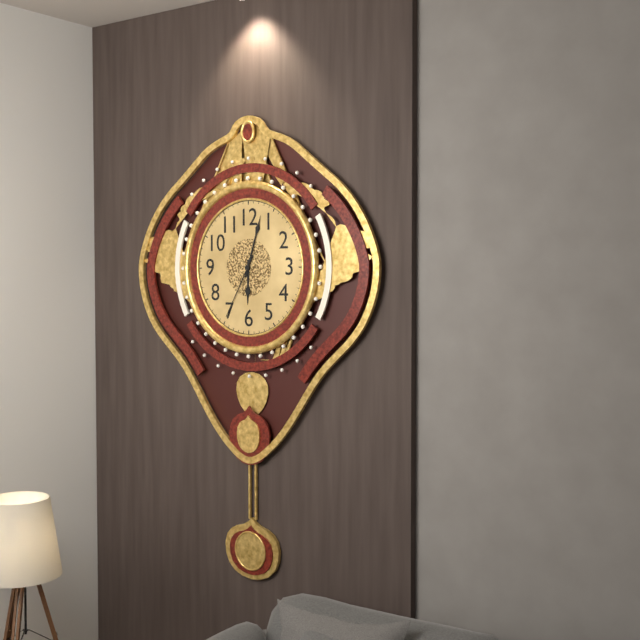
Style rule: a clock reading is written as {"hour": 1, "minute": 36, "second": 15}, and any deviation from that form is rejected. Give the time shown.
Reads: {"hour": 6, "minute": 3, "second": 35}
